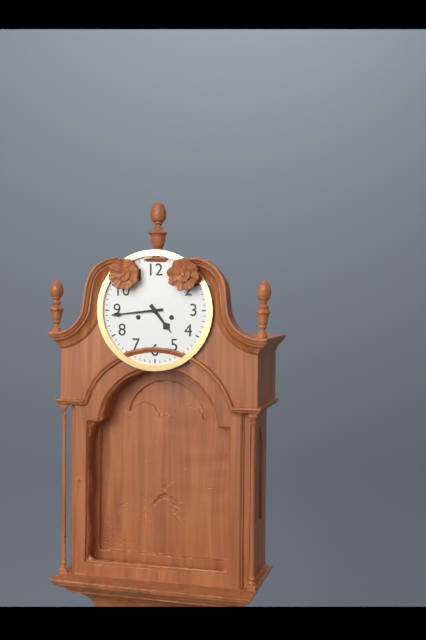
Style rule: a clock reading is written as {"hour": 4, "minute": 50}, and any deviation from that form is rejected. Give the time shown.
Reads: {"hour": 4, "minute": 44}
